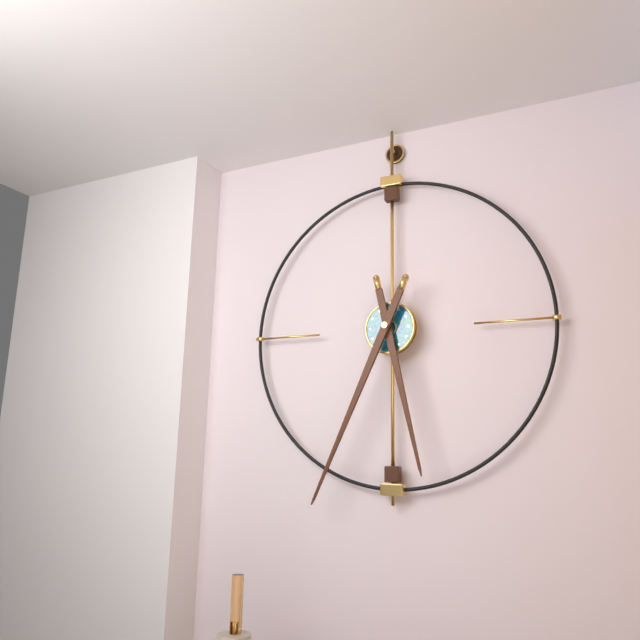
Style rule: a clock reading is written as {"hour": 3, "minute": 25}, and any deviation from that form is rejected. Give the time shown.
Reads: {"hour": 5, "minute": 34}
